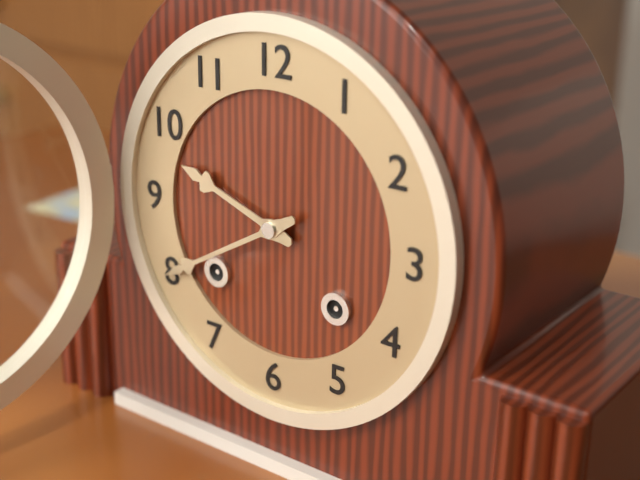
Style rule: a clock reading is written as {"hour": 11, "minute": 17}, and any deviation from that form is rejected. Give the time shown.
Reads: {"hour": 9, "minute": 40}
